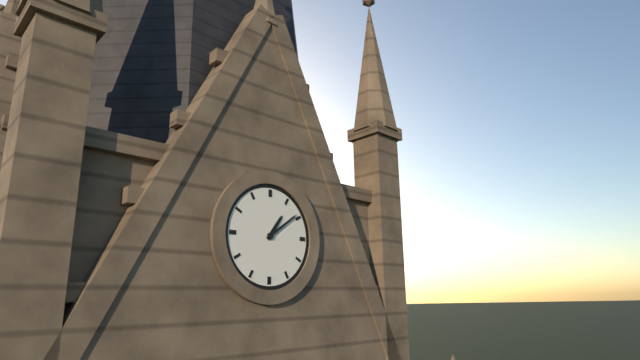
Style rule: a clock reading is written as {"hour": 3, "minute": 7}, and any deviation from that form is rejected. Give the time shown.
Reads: {"hour": 1, "minute": 9}
